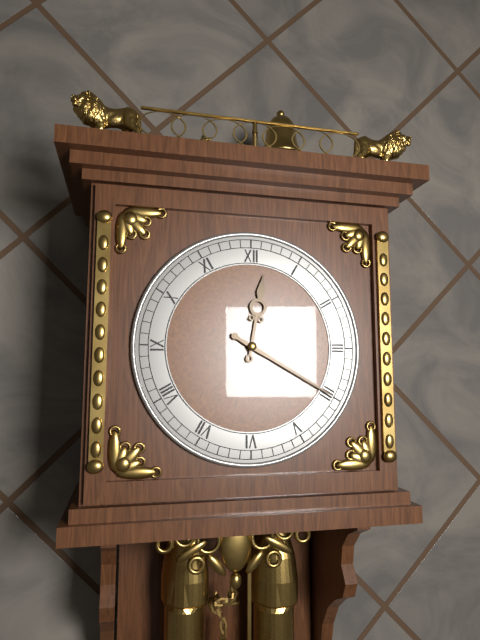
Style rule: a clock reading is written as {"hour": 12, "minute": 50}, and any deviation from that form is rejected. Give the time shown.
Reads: {"hour": 12, "minute": 20}
